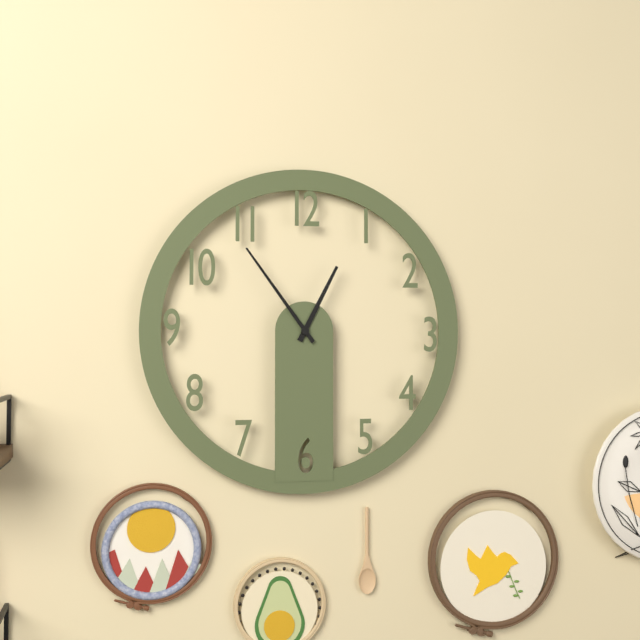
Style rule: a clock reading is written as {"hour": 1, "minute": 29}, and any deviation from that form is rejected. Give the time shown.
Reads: {"hour": 12, "minute": 54}
